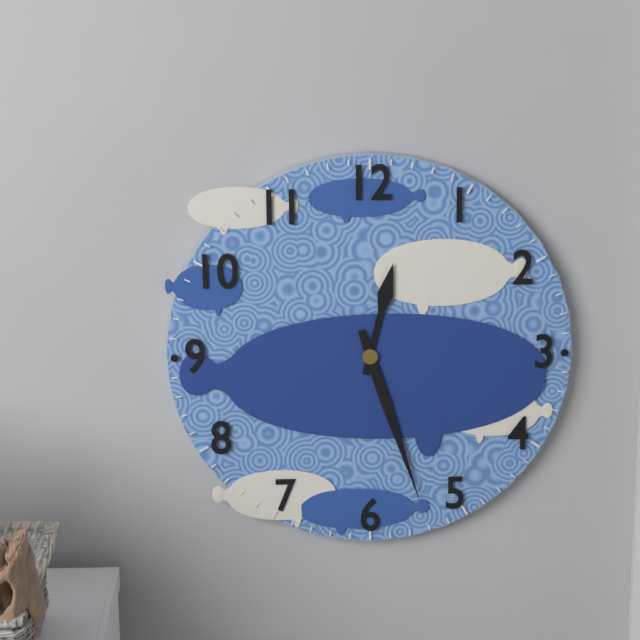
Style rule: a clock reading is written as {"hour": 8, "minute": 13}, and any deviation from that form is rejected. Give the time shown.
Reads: {"hour": 12, "minute": 27}
